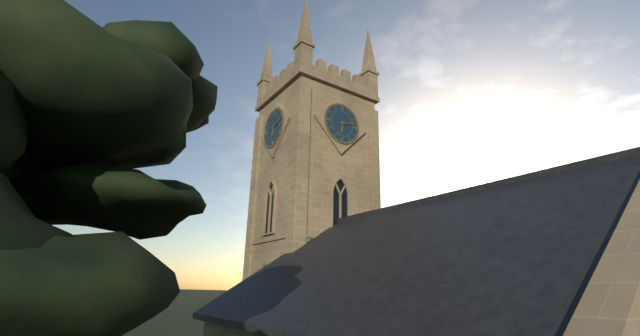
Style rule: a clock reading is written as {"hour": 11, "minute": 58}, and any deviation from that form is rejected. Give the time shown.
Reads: {"hour": 6, "minute": 13}
